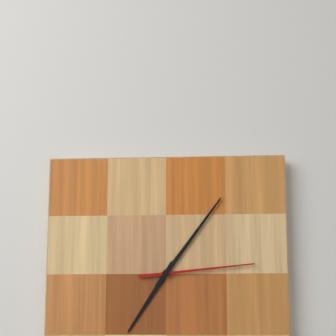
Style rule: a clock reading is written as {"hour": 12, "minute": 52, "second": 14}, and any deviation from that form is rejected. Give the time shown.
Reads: {"hour": 7, "minute": 6, "second": 14}
